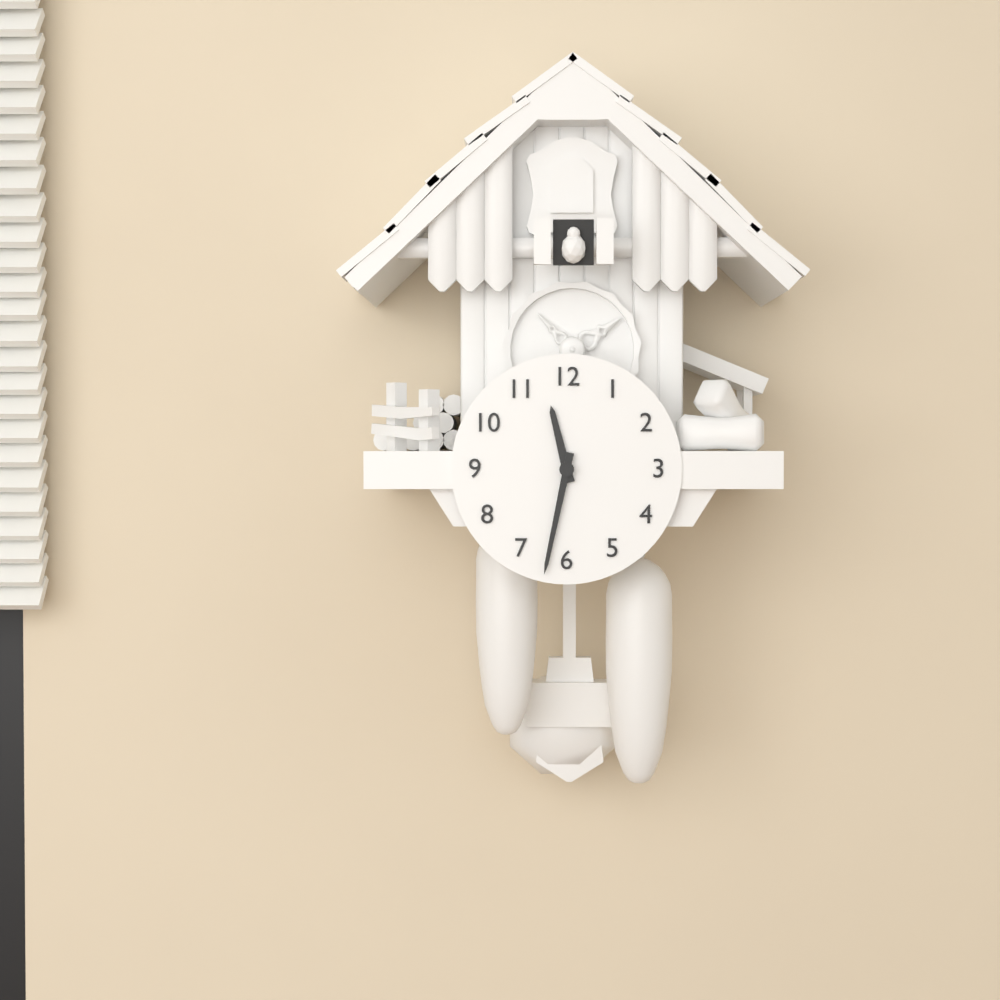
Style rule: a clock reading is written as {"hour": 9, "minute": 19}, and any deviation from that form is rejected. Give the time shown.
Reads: {"hour": 11, "minute": 32}
